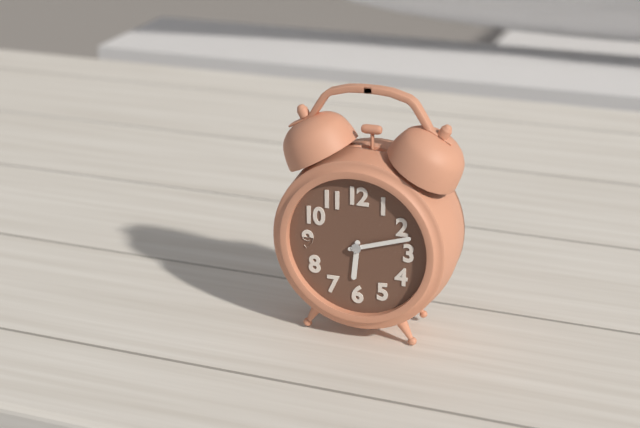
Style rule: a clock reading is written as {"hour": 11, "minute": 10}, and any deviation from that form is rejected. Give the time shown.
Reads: {"hour": 6, "minute": 12}
